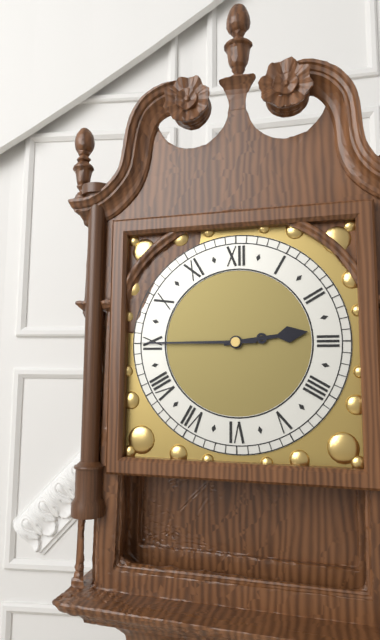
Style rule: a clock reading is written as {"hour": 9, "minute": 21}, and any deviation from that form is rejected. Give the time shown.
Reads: {"hour": 2, "minute": 45}
